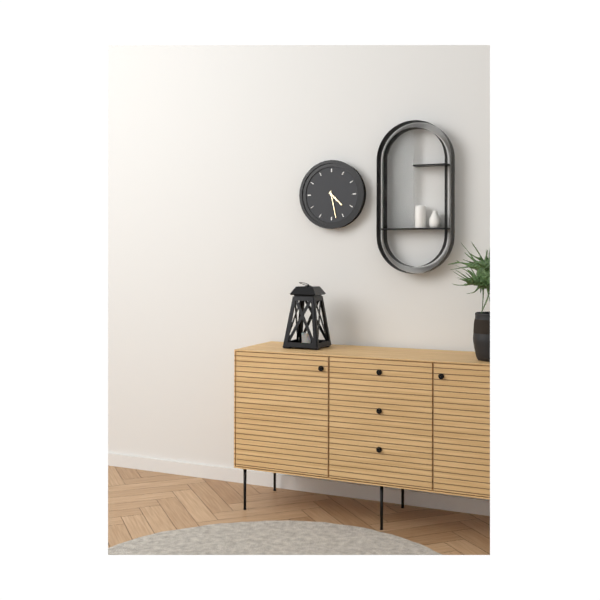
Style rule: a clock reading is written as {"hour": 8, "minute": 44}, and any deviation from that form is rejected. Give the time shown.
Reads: {"hour": 4, "minute": 28}
